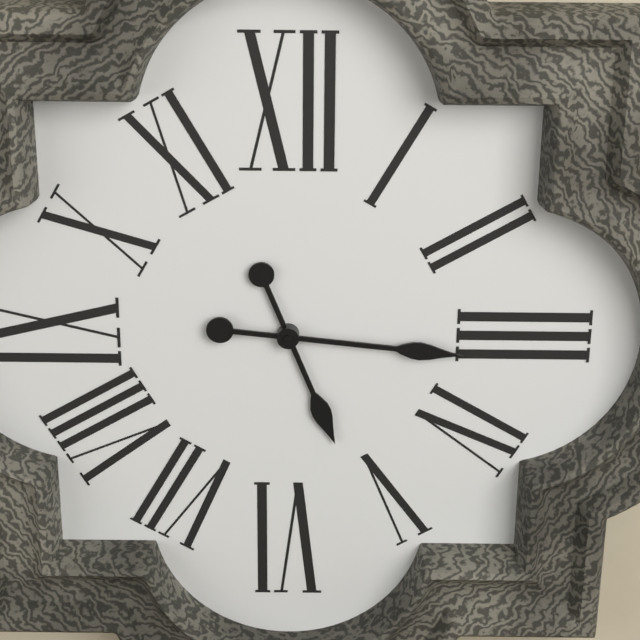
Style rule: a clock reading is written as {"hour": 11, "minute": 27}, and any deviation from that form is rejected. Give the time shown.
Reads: {"hour": 5, "minute": 16}
